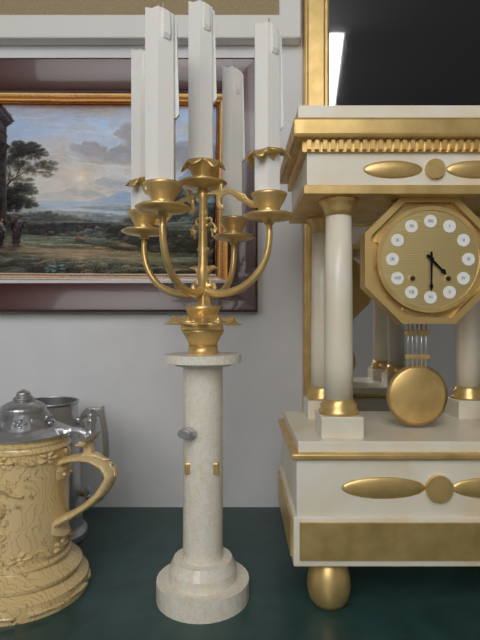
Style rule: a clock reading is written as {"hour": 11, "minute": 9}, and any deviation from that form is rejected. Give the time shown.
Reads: {"hour": 4, "minute": 30}
